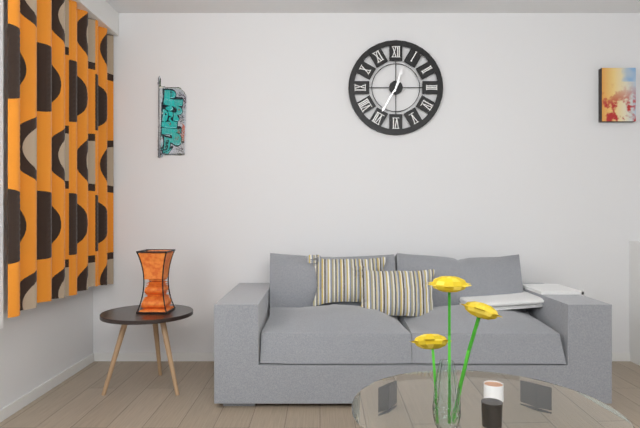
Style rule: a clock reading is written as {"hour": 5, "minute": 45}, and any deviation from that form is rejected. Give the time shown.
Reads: {"hour": 12, "minute": 35}
